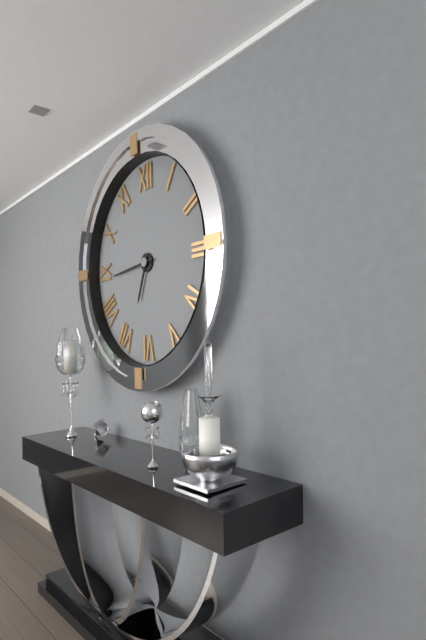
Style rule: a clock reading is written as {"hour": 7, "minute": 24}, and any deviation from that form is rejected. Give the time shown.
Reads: {"hour": 6, "minute": 44}
